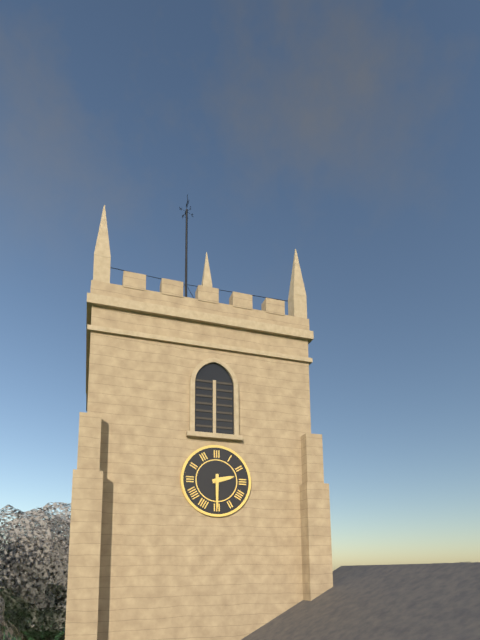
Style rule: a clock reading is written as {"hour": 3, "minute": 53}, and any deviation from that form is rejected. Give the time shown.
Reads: {"hour": 2, "minute": 30}
